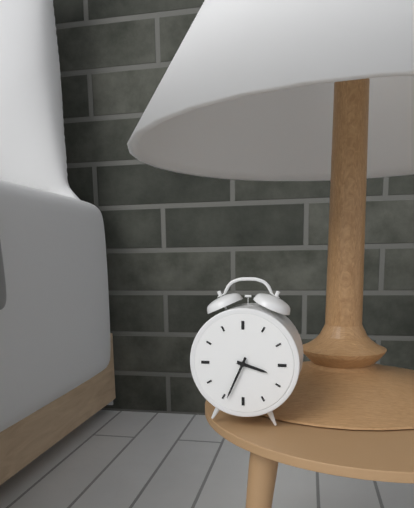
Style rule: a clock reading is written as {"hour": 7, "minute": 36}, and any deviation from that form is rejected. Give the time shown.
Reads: {"hour": 3, "minute": 34}
